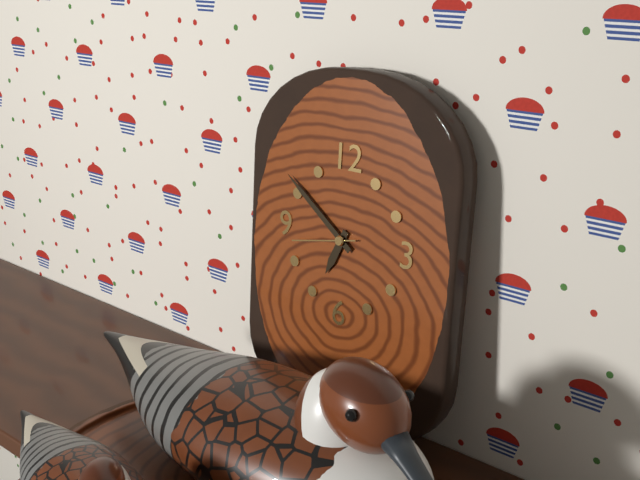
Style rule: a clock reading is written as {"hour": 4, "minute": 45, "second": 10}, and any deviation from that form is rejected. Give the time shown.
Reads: {"hour": 6, "minute": 51, "second": 43}
